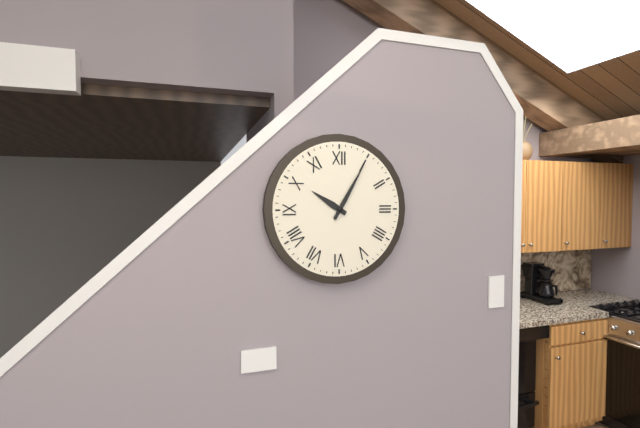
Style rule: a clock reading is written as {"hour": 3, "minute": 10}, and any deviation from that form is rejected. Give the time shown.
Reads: {"hour": 10, "minute": 5}
